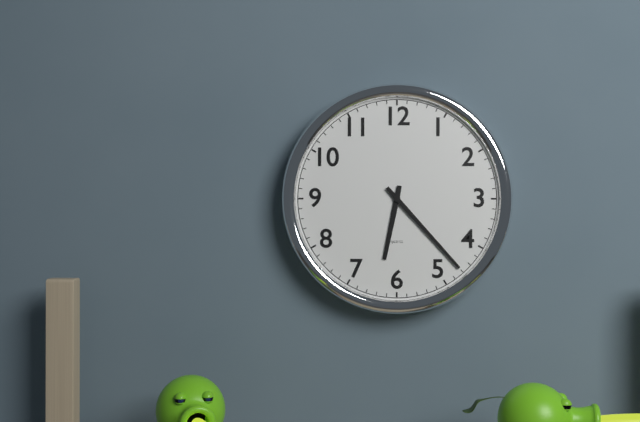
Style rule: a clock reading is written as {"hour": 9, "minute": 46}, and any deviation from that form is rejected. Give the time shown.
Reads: {"hour": 6, "minute": 23}
